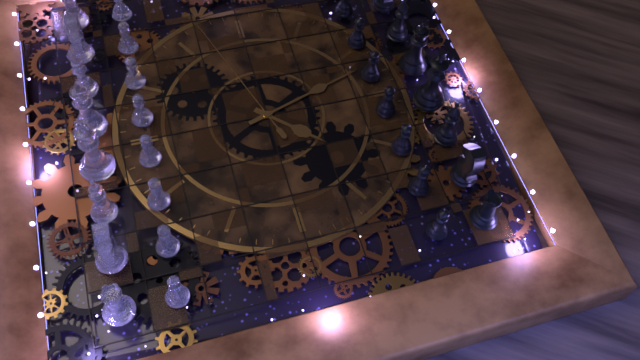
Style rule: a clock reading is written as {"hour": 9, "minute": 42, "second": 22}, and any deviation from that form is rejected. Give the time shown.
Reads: {"hour": 7, "minute": 27, "second": 12}
